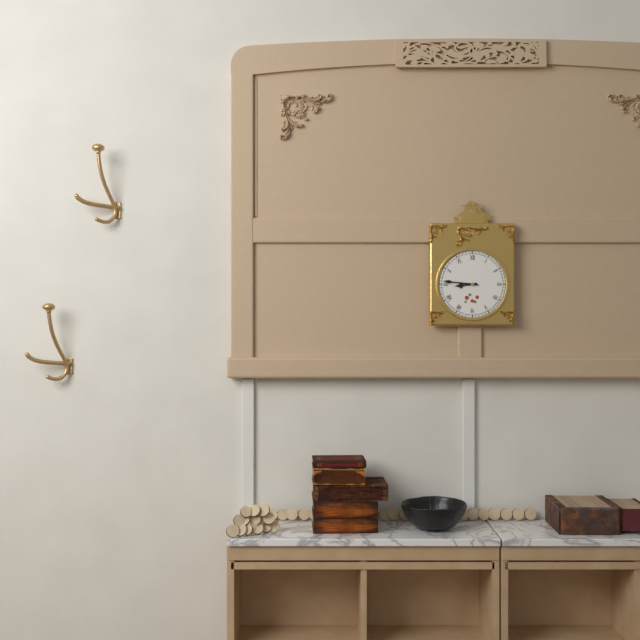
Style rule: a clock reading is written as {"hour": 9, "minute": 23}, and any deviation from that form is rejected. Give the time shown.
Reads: {"hour": 8, "minute": 46}
